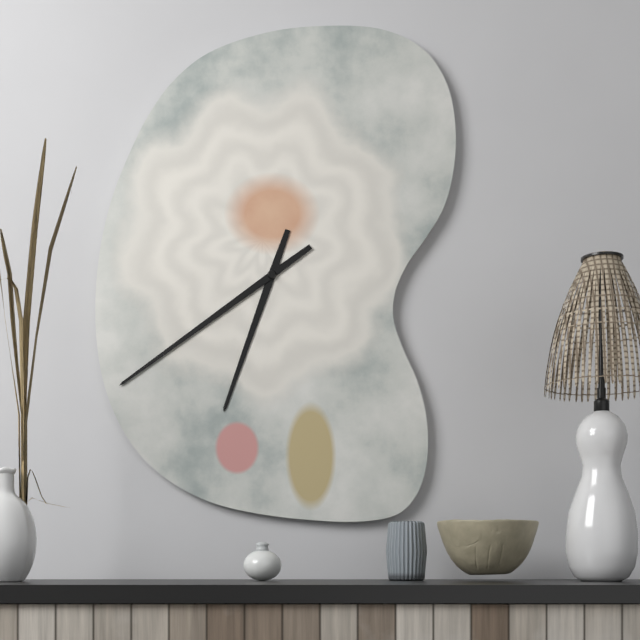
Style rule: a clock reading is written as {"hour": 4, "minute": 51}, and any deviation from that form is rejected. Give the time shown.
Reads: {"hour": 6, "minute": 39}
